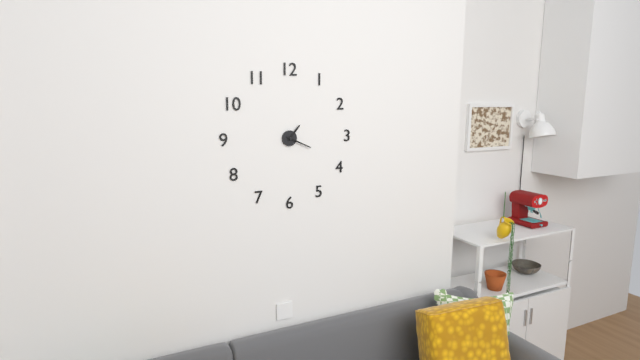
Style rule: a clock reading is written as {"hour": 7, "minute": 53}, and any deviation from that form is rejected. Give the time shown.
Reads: {"hour": 1, "minute": 19}
